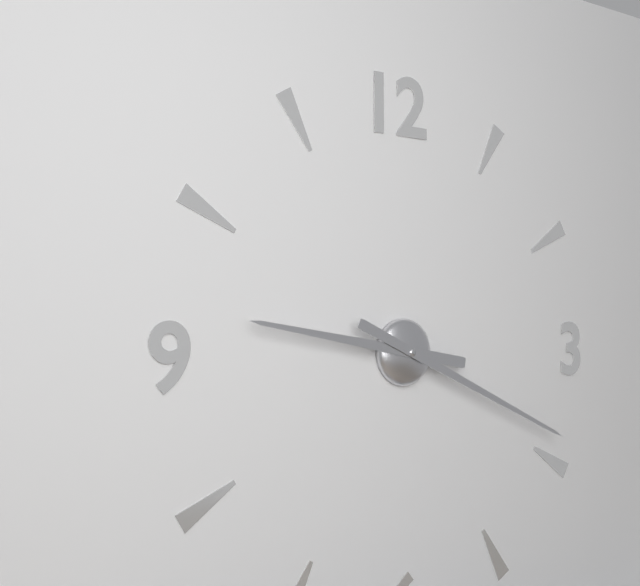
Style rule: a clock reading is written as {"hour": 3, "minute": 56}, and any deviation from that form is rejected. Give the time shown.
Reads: {"hour": 9, "minute": 19}
